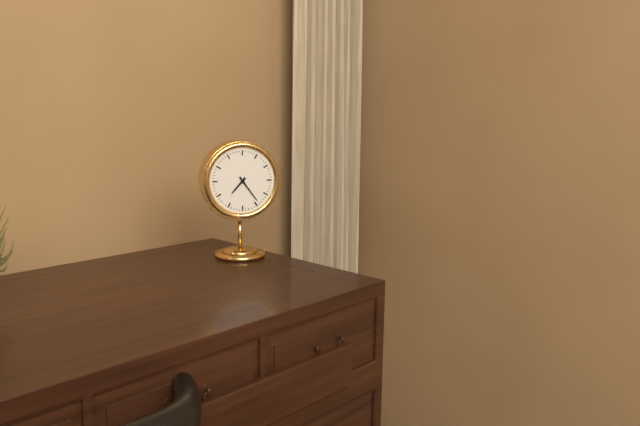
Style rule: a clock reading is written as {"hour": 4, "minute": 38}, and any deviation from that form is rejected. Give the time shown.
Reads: {"hour": 7, "minute": 24}
